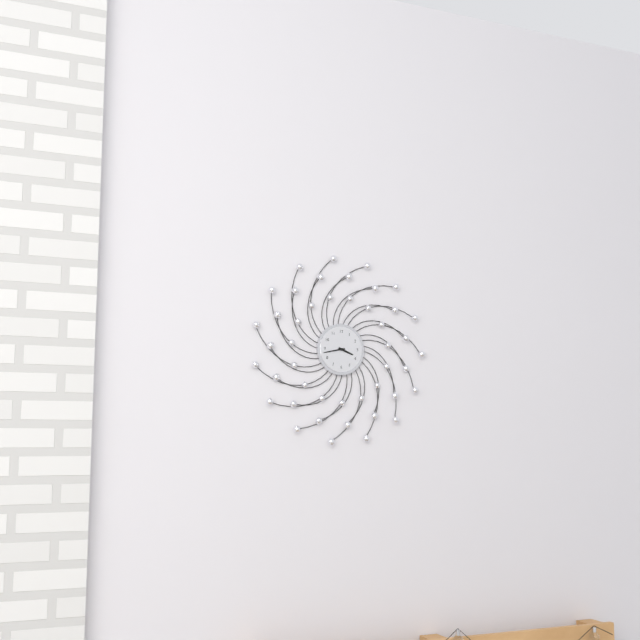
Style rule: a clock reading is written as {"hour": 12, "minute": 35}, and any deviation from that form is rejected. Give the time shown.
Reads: {"hour": 3, "minute": 43}
